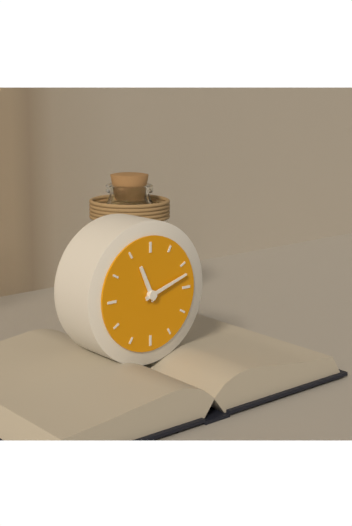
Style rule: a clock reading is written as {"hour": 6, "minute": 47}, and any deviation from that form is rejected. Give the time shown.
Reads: {"hour": 11, "minute": 12}
